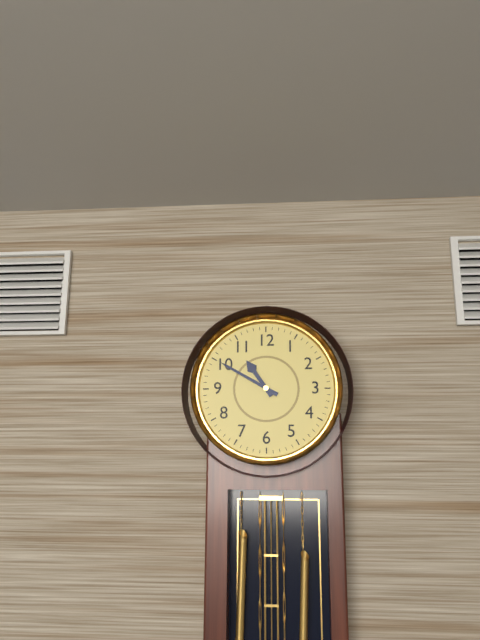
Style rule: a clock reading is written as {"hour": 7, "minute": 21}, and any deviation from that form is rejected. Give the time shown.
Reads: {"hour": 10, "minute": 50}
